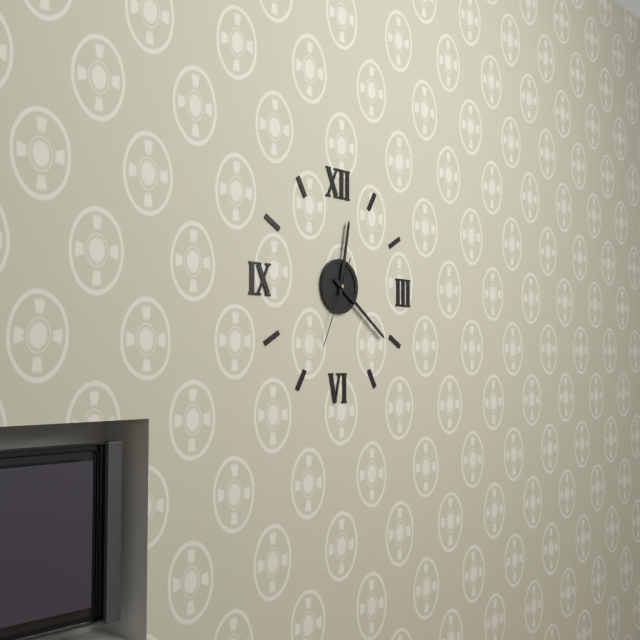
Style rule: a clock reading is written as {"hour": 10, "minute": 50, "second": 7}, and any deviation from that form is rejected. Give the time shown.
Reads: {"hour": 12, "minute": 21, "second": 34}
